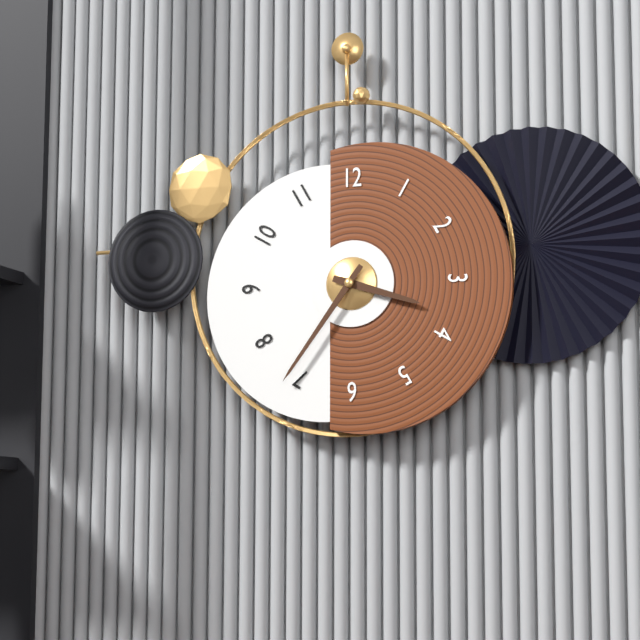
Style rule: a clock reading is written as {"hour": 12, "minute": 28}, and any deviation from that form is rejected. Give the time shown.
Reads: {"hour": 3, "minute": 36}
